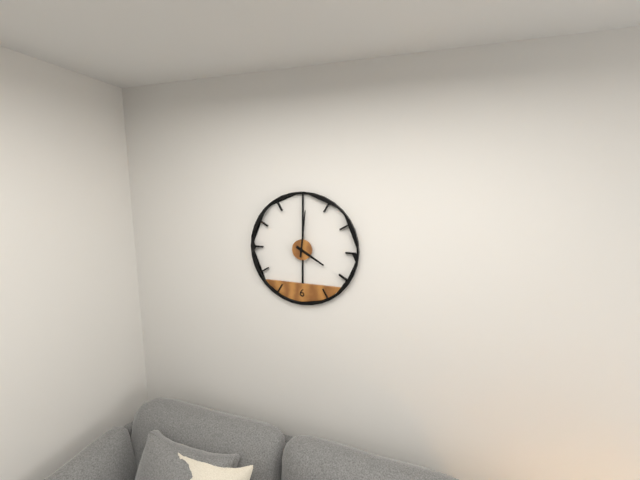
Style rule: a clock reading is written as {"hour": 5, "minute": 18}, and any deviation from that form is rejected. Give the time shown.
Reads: {"hour": 4, "minute": 1}
